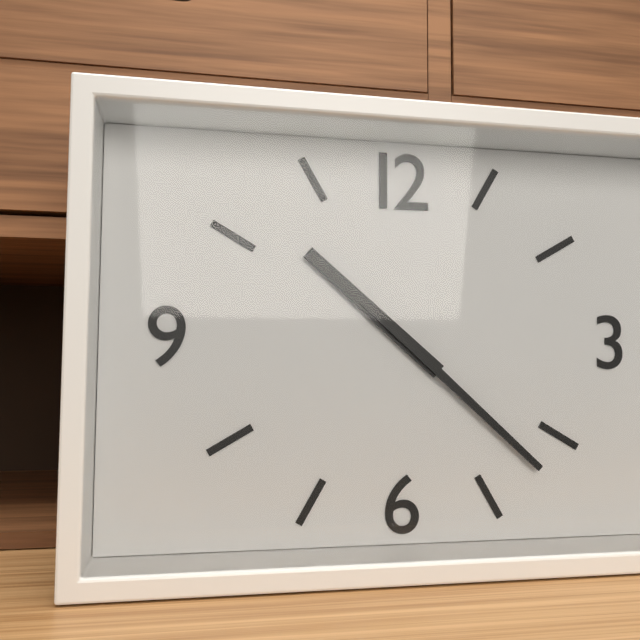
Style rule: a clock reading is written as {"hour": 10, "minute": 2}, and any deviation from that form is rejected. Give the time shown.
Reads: {"hour": 10, "minute": 22}
